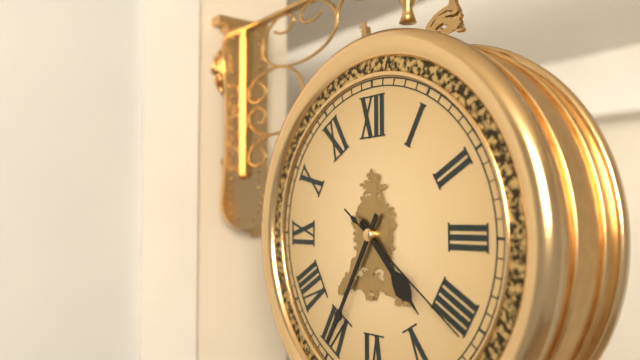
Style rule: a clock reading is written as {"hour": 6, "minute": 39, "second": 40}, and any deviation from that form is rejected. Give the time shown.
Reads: {"hour": 4, "minute": 35, "second": 21}
